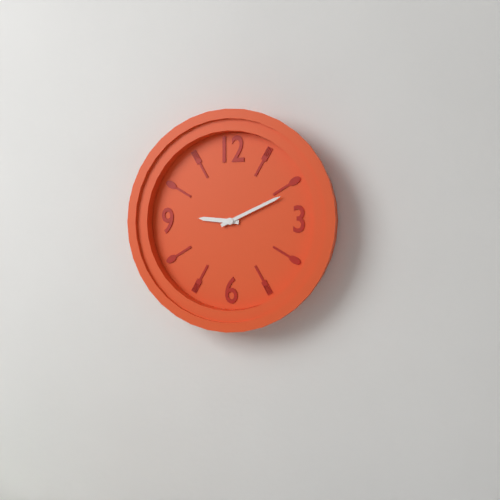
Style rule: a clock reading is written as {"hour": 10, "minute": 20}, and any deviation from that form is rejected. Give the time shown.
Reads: {"hour": 9, "minute": 11}
